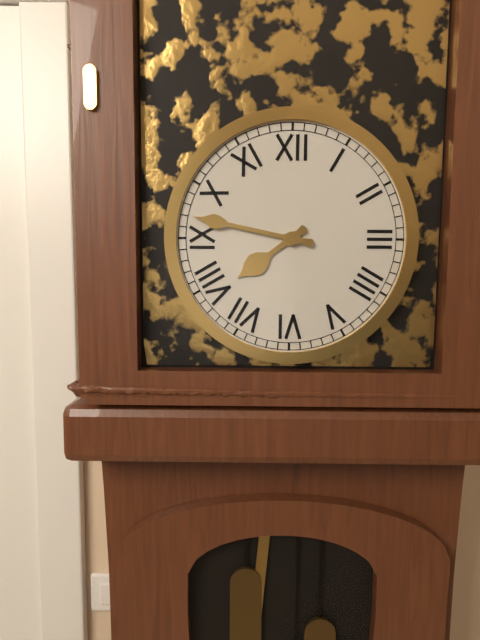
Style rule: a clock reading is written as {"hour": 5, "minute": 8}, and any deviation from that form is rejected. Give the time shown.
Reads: {"hour": 7, "minute": 47}
